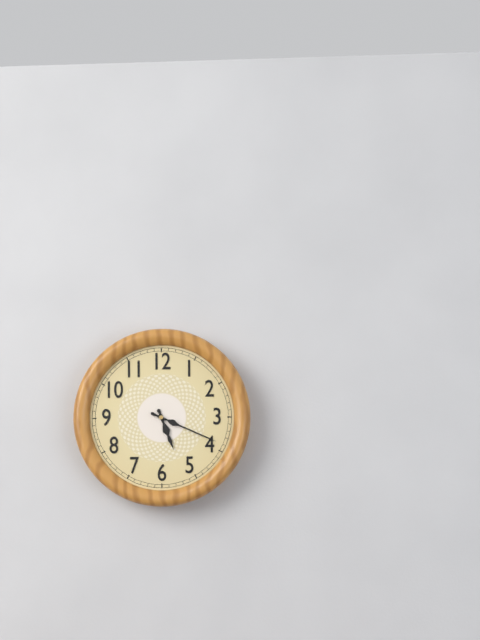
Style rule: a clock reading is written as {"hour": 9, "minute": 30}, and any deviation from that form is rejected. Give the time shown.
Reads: {"hour": 5, "minute": 19}
